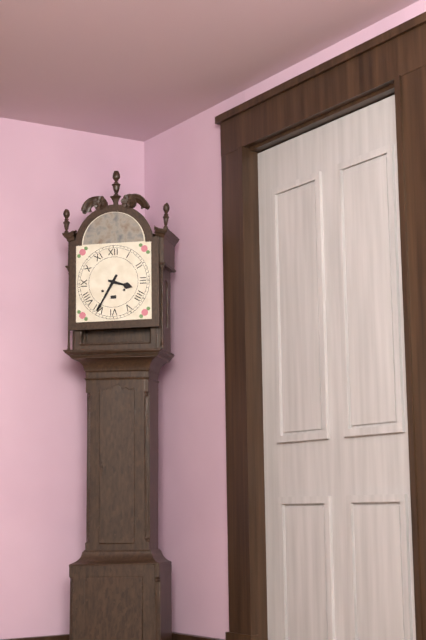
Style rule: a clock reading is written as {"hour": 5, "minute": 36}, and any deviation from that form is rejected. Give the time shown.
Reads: {"hour": 3, "minute": 35}
